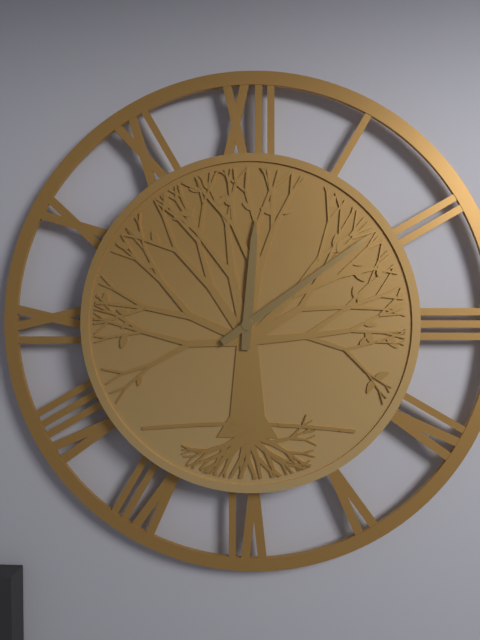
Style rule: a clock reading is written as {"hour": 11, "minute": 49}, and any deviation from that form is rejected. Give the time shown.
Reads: {"hour": 12, "minute": 9}
